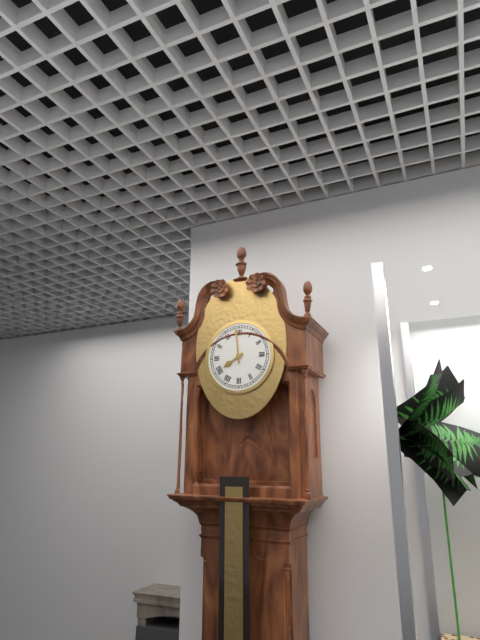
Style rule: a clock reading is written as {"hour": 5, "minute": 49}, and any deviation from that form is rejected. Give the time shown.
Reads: {"hour": 7, "minute": 59}
